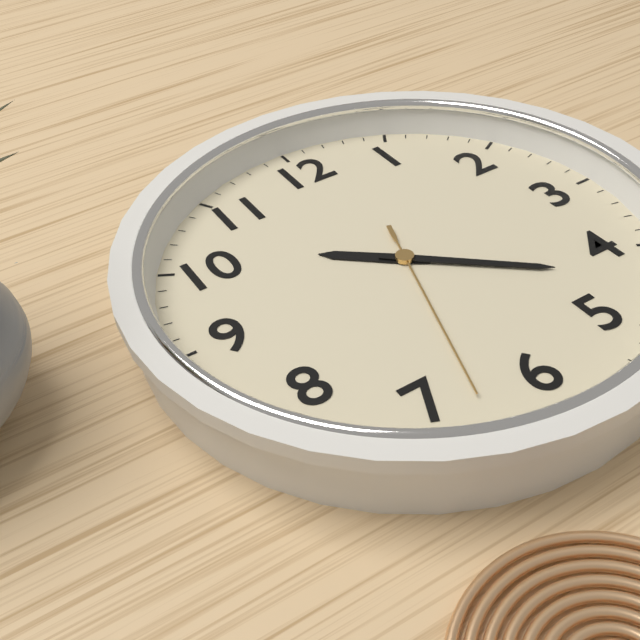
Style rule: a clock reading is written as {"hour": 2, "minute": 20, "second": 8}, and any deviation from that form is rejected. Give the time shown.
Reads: {"hour": 10, "minute": 22, "second": 33}
